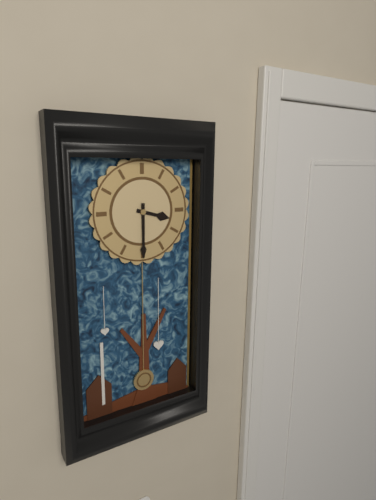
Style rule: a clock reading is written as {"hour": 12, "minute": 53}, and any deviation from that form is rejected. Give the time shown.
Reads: {"hour": 3, "minute": 30}
